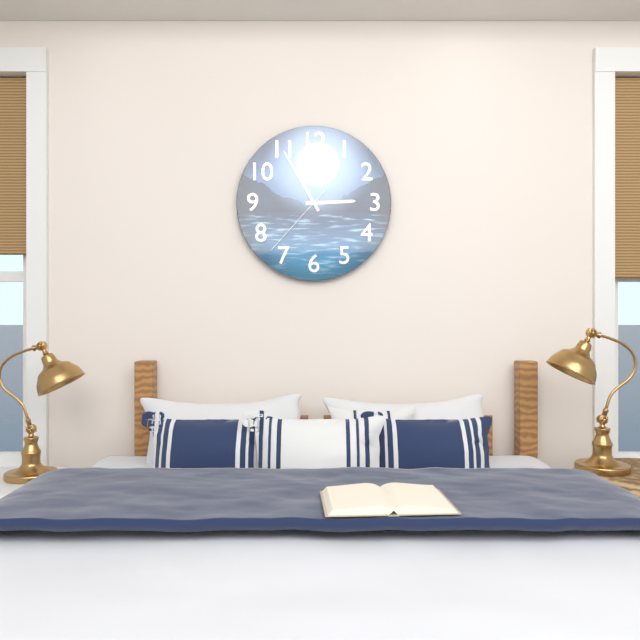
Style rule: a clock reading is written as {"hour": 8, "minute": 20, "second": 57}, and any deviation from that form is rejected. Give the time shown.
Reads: {"hour": 2, "minute": 55, "second": 37}
